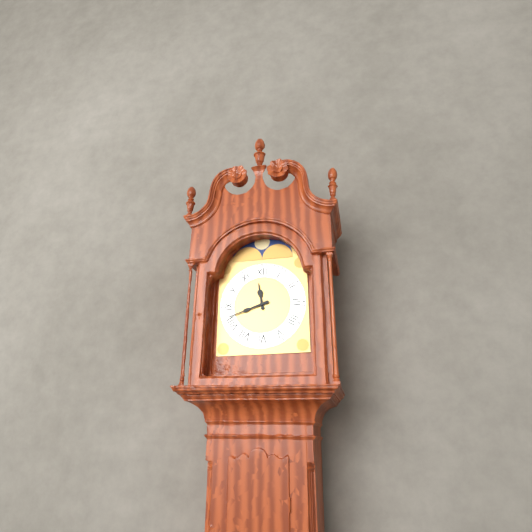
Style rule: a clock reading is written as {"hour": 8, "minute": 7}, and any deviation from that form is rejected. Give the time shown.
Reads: {"hour": 11, "minute": 42}
